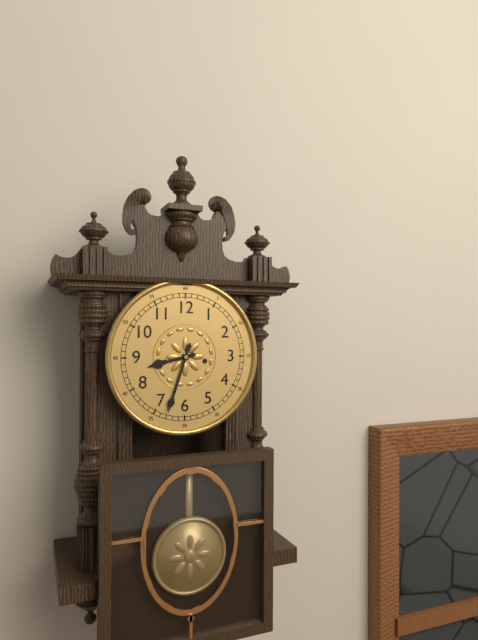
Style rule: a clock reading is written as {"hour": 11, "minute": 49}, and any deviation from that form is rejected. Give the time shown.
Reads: {"hour": 8, "minute": 33}
